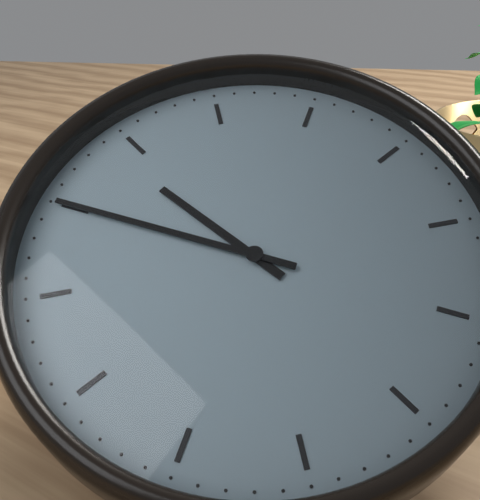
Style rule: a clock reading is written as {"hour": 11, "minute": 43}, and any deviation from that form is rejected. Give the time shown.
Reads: {"hour": 9, "minute": 45}
